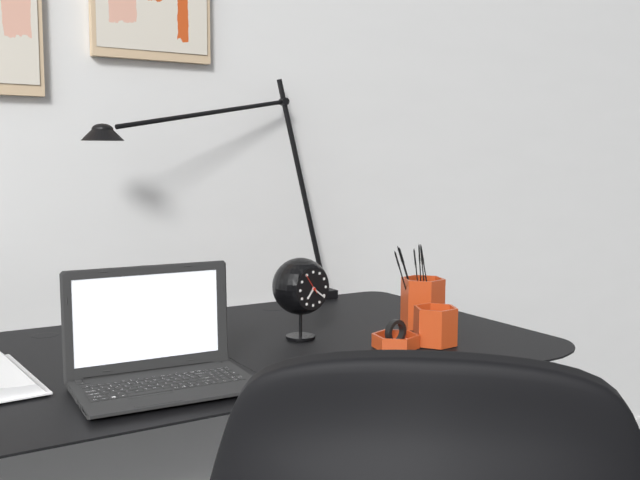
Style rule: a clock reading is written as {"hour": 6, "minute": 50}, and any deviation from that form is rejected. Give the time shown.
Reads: {"hour": 7, "minute": 21}
